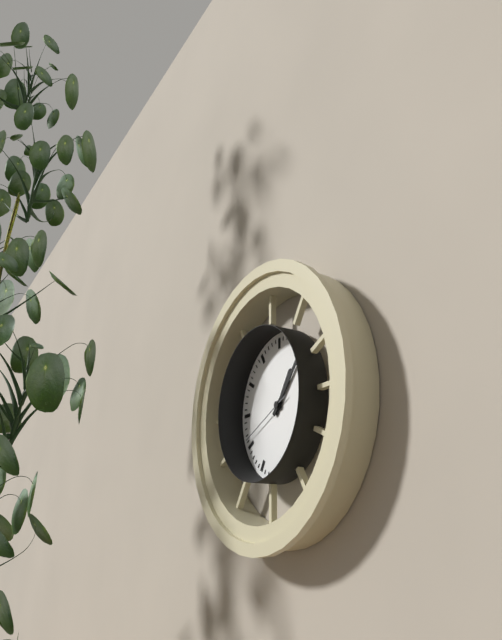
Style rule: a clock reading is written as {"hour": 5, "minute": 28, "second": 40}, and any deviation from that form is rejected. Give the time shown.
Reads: {"hour": 1, "minute": 7, "second": 41}
